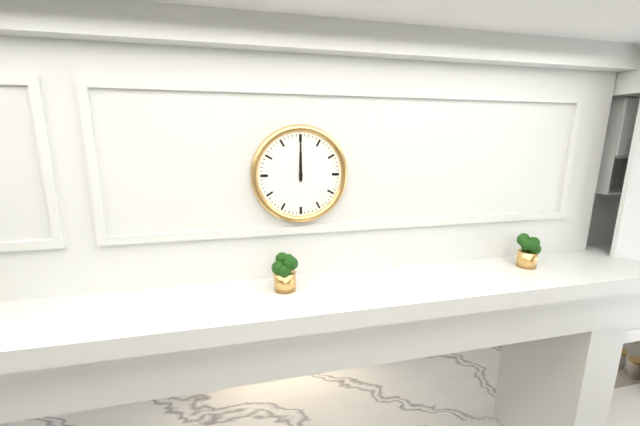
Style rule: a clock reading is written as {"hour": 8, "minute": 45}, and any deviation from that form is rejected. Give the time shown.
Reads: {"hour": 12, "minute": 0}
